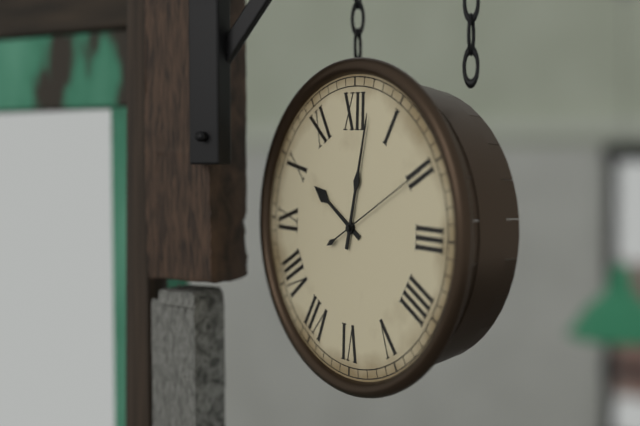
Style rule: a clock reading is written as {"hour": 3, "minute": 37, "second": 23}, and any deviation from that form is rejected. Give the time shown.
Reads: {"hour": 10, "minute": 2, "second": 10}
